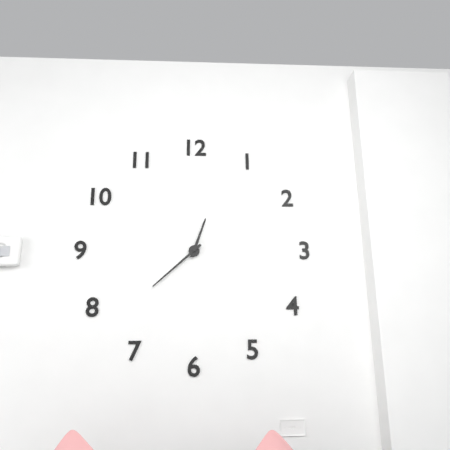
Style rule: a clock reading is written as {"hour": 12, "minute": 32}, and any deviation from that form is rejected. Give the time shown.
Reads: {"hour": 12, "minute": 38}
